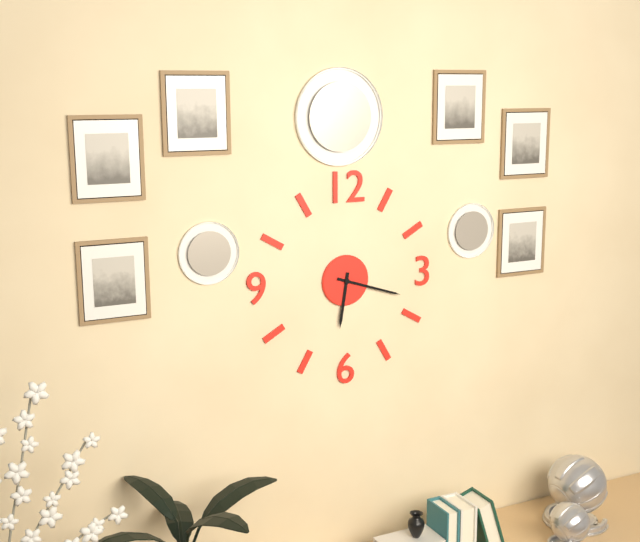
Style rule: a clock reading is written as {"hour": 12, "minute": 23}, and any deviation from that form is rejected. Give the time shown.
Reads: {"hour": 6, "minute": 18}
